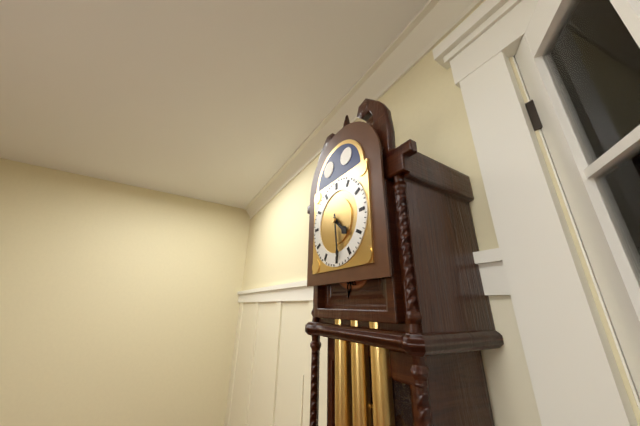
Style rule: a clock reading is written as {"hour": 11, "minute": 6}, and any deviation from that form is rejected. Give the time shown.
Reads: {"hour": 4, "minute": 29}
